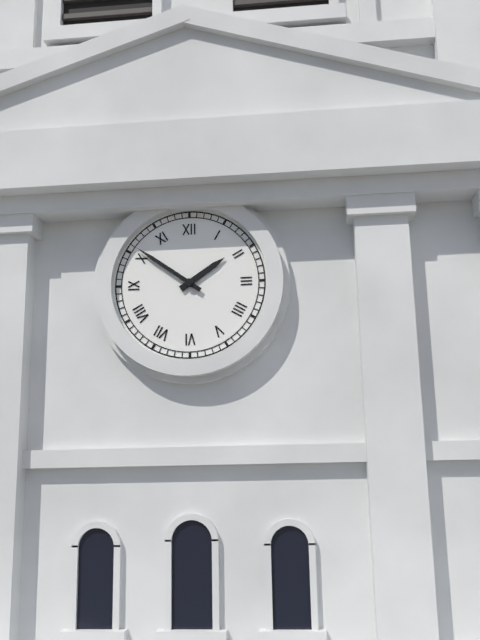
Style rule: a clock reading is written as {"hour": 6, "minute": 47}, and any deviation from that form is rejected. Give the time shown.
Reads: {"hour": 1, "minute": 51}
